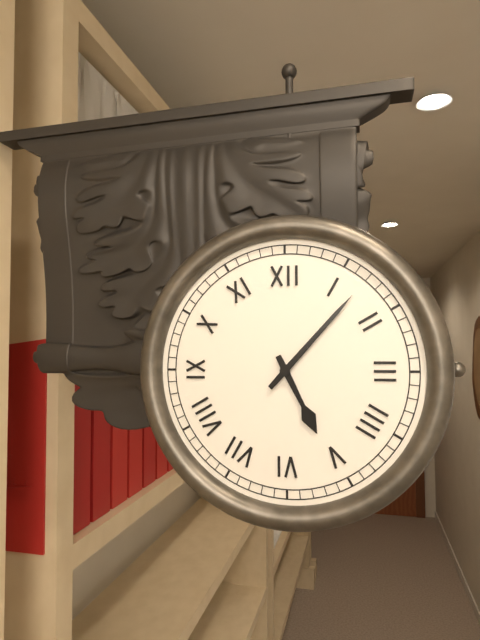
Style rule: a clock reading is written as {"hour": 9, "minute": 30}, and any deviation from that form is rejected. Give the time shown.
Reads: {"hour": 5, "minute": 7}
